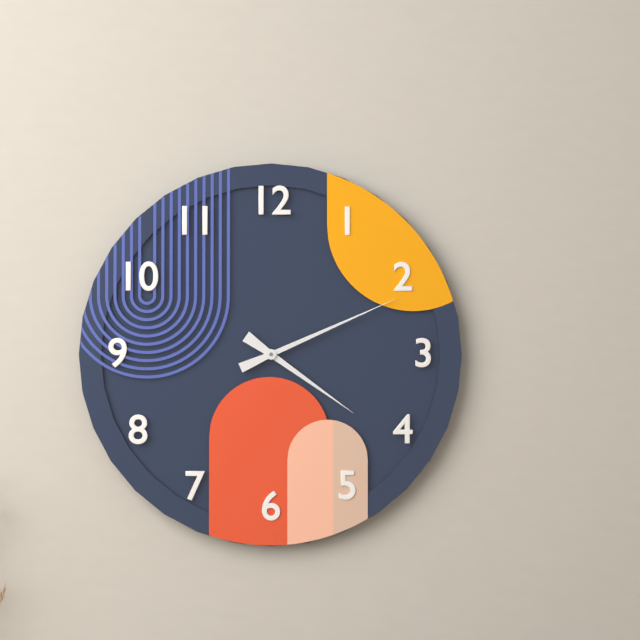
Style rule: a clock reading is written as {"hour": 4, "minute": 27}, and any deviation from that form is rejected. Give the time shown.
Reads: {"hour": 4, "minute": 11}
